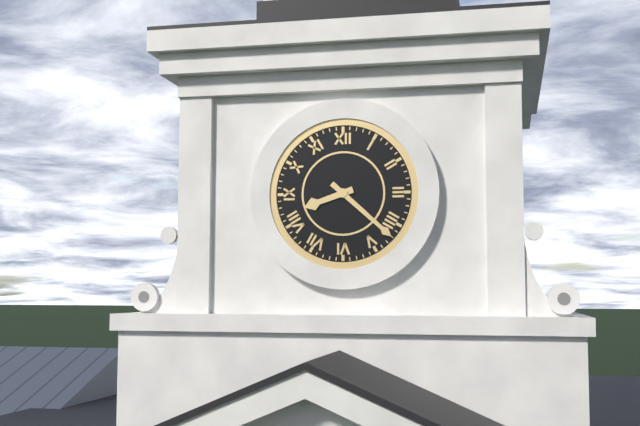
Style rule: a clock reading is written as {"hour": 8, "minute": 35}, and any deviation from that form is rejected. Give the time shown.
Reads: {"hour": 8, "minute": 22}
